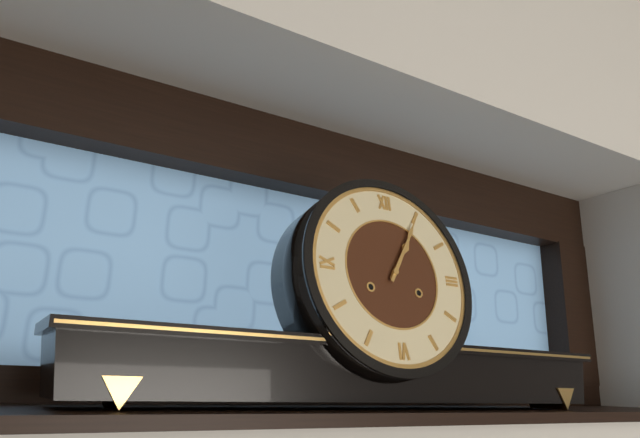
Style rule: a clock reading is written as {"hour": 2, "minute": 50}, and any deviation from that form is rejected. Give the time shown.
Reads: {"hour": 1, "minute": 5}
